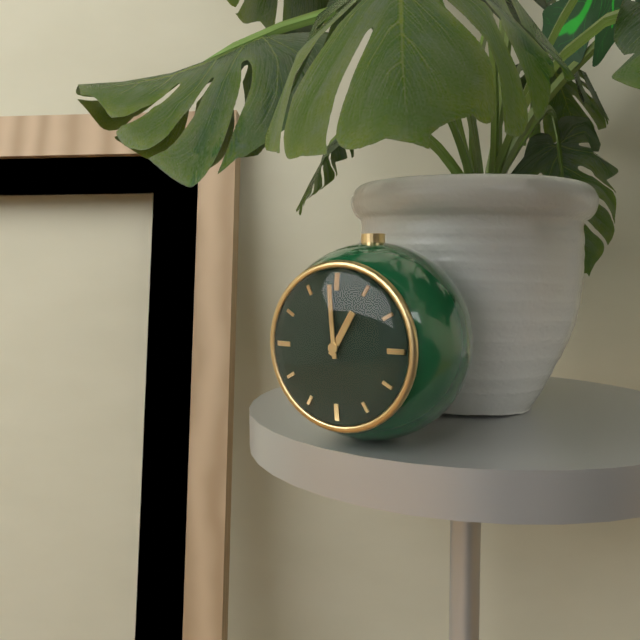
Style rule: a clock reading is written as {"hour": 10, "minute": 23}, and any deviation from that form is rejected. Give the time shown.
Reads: {"hour": 12, "minute": 59}
